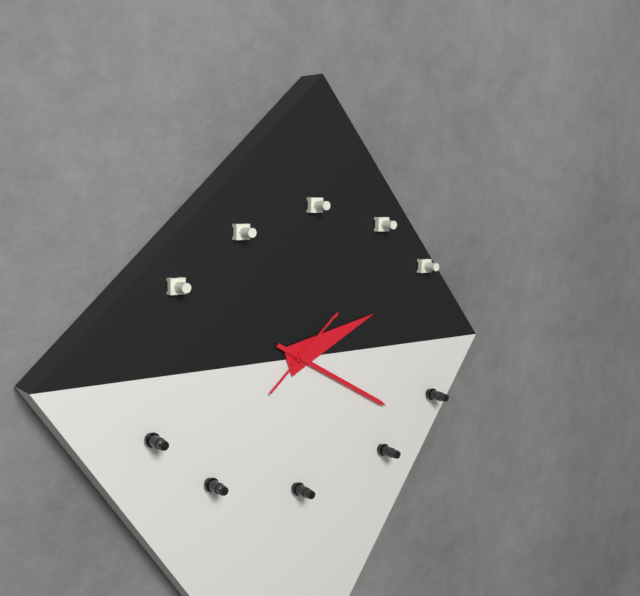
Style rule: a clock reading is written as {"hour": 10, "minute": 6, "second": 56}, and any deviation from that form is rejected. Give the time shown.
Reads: {"hour": 2, "minute": 20, "second": 8}
